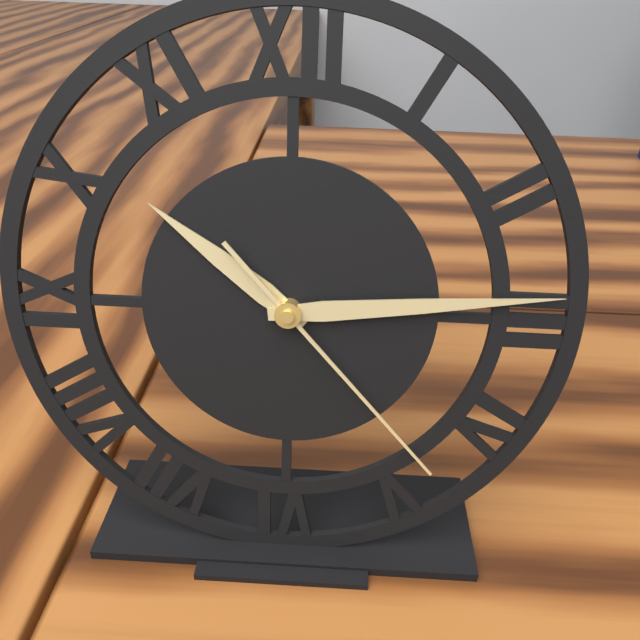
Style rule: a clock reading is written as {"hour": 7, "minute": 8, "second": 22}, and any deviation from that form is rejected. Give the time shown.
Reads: {"hour": 10, "minute": 14, "second": 23}
